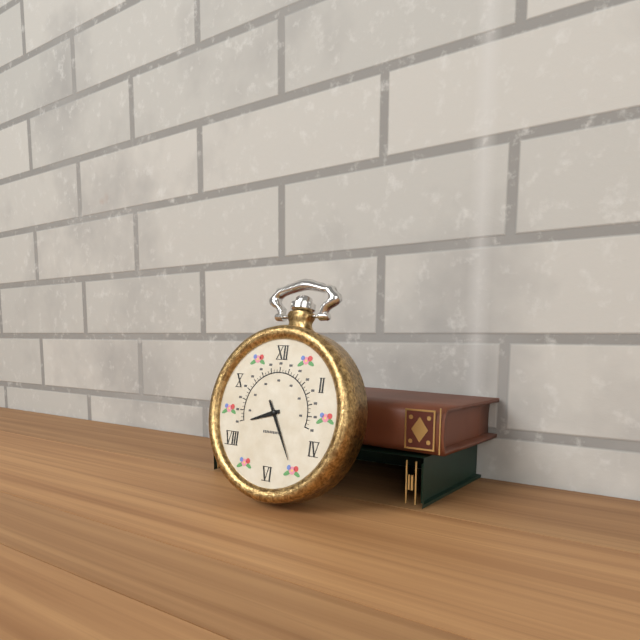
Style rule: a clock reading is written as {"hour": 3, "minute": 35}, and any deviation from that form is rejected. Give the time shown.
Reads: {"hour": 8, "minute": 25}
